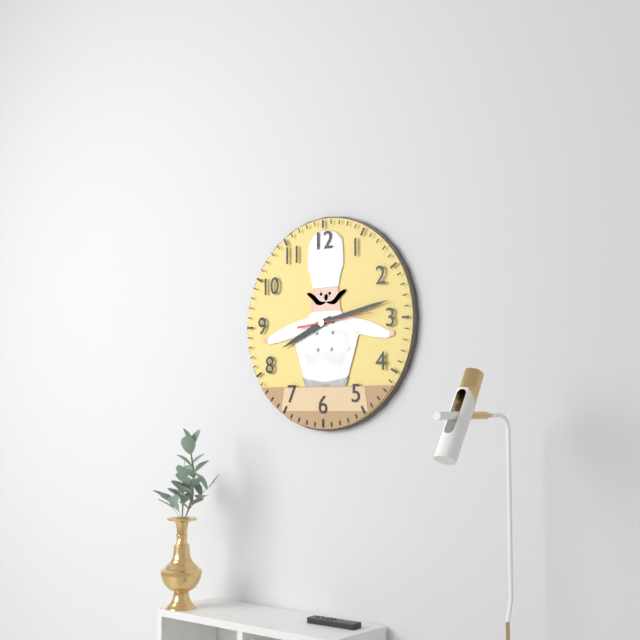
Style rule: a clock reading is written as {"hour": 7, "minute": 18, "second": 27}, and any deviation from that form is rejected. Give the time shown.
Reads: {"hour": 8, "minute": 13, "second": 14}
